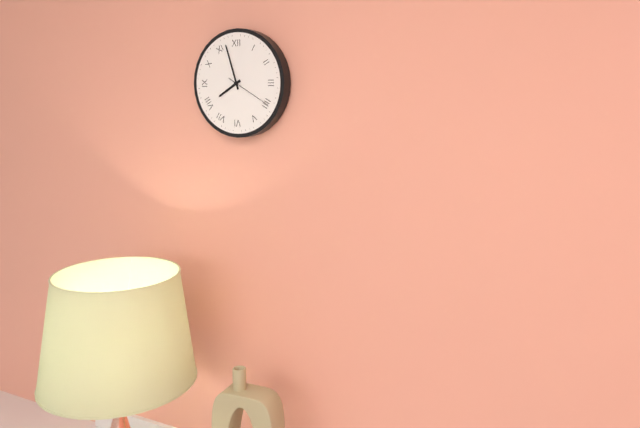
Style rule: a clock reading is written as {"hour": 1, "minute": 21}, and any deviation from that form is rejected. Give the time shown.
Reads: {"hour": 7, "minute": 57}
